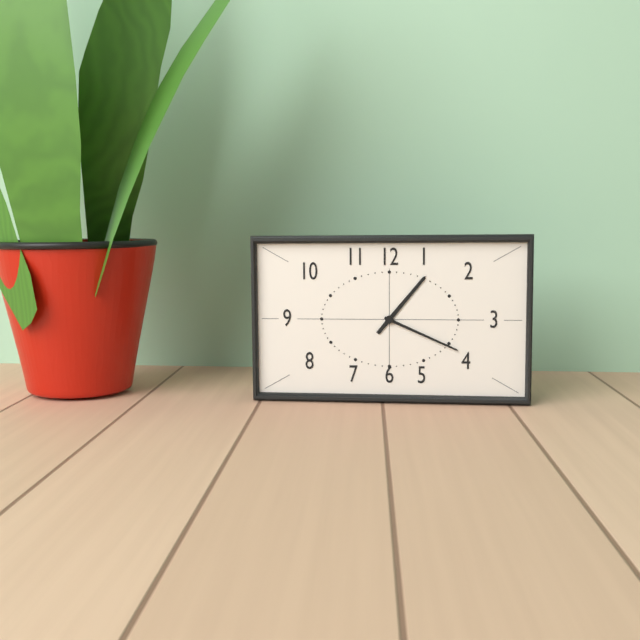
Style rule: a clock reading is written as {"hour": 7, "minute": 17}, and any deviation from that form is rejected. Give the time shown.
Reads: {"hour": 1, "minute": 19}
